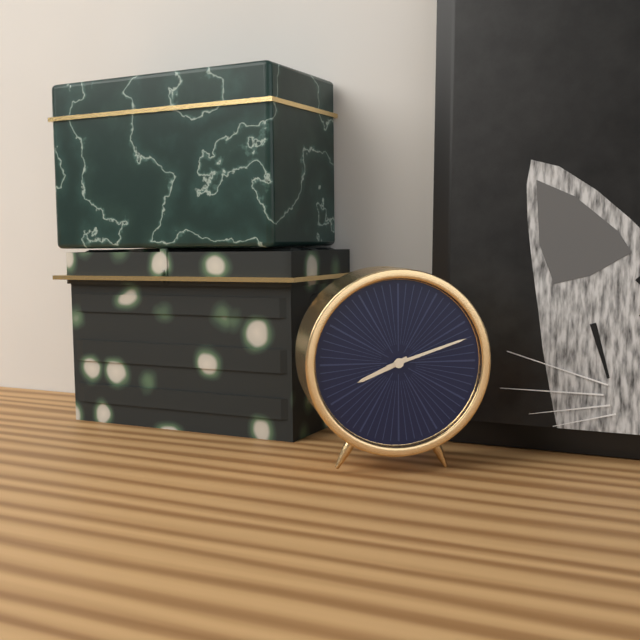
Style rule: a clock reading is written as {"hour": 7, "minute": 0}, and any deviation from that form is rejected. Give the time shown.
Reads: {"hour": 8, "minute": 12}
